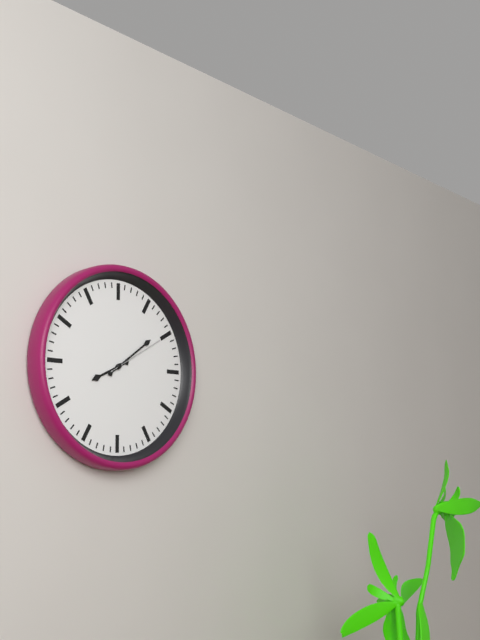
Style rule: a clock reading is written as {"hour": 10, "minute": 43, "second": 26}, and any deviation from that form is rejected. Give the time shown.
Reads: {"hour": 8, "minute": 9, "second": 10}
